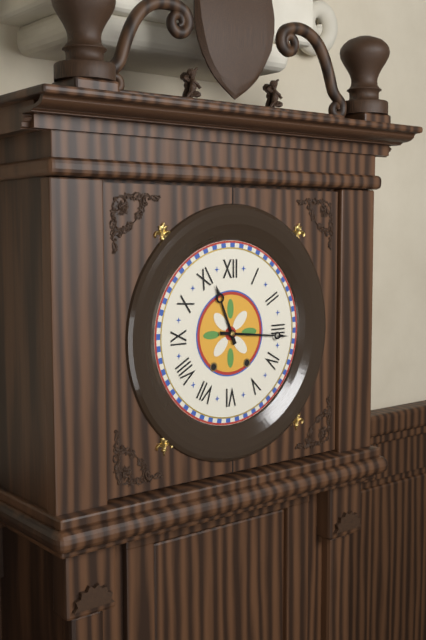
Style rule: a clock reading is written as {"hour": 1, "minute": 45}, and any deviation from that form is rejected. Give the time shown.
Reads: {"hour": 11, "minute": 16}
